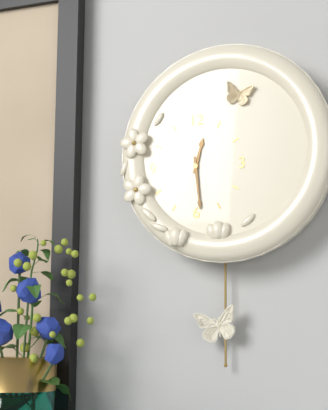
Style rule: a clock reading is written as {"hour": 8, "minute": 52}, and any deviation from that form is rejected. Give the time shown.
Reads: {"hour": 12, "minute": 29}
